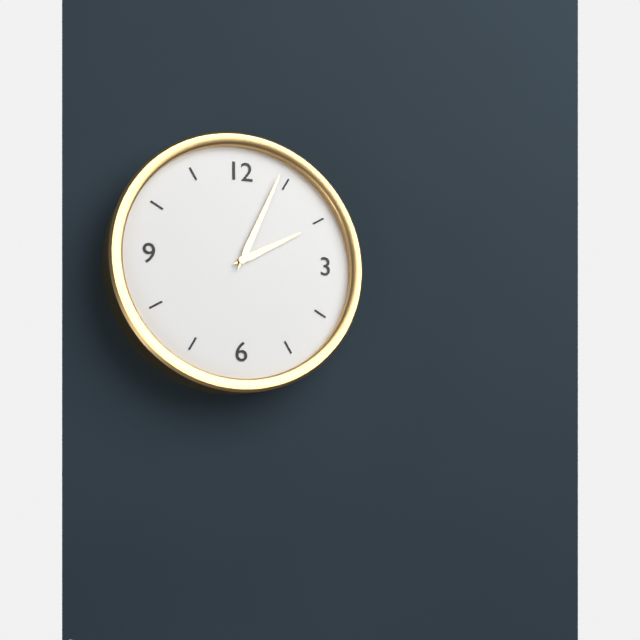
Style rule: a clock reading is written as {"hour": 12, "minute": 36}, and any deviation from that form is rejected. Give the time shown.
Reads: {"hour": 2, "minute": 4}
